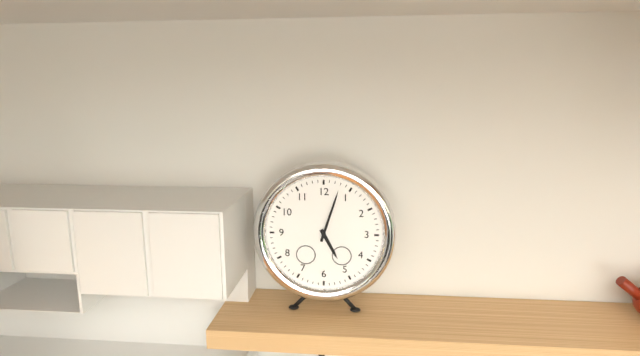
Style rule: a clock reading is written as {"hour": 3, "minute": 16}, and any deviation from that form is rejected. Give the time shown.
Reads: {"hour": 5, "minute": 3}
